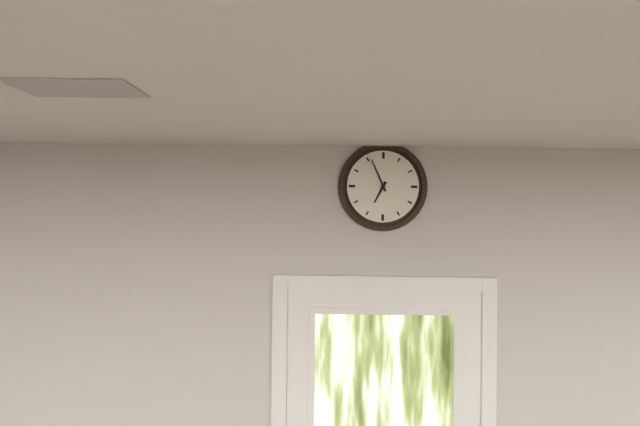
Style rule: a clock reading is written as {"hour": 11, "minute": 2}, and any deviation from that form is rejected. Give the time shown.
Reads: {"hour": 6, "minute": 56}
